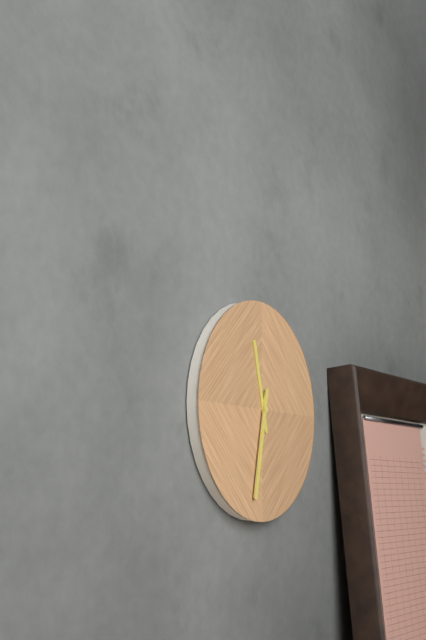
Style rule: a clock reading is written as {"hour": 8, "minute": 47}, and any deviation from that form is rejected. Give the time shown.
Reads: {"hour": 11, "minute": 32}
